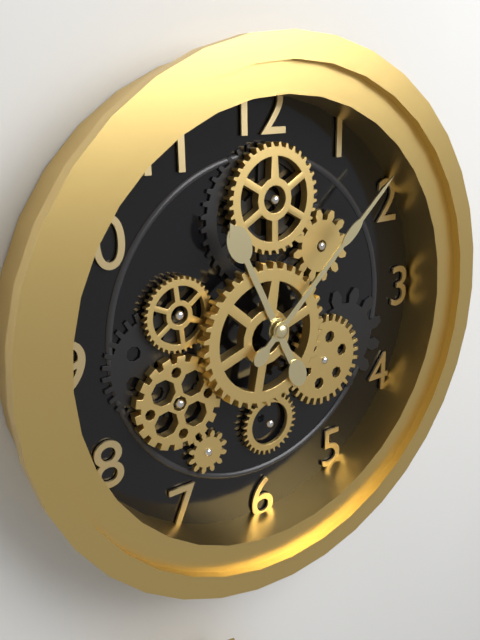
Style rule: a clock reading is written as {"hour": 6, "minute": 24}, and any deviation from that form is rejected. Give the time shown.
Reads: {"hour": 11, "minute": 8}
